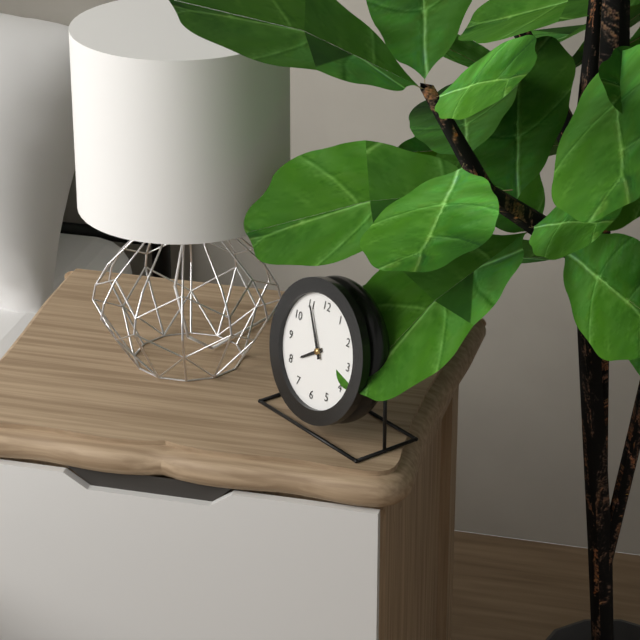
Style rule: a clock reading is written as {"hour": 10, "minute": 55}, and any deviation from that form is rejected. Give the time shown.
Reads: {"hour": 7, "minute": 55}
